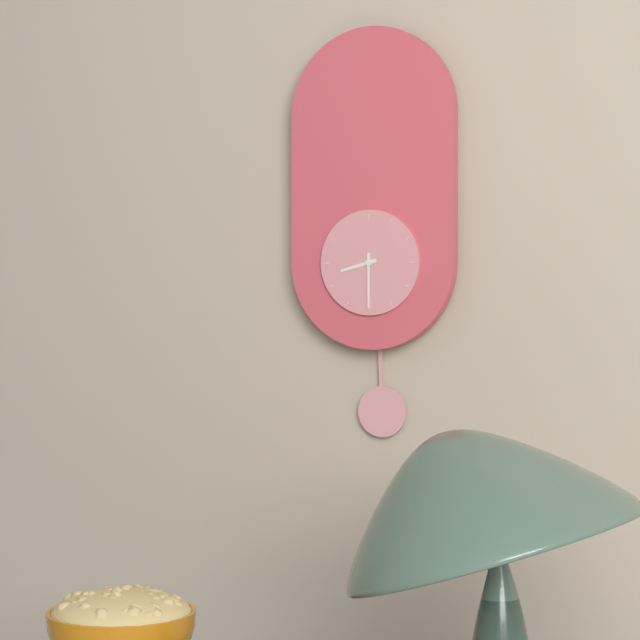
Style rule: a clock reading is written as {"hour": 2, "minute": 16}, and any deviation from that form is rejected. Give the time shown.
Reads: {"hour": 8, "minute": 30}
